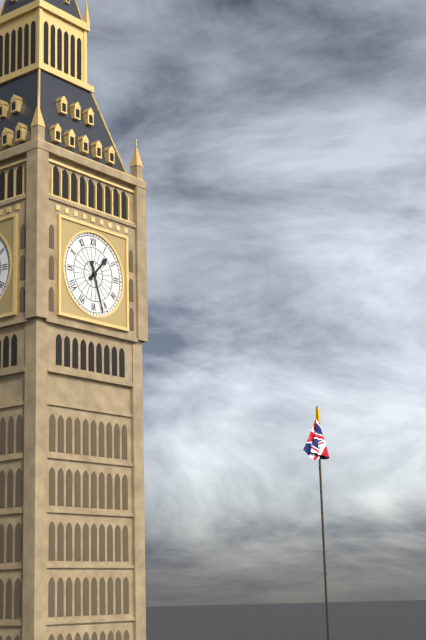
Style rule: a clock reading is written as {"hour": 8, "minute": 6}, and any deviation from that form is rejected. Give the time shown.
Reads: {"hour": 1, "minute": 27}
